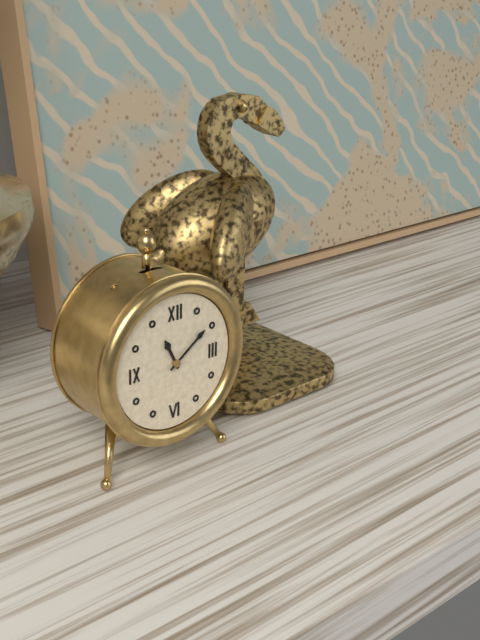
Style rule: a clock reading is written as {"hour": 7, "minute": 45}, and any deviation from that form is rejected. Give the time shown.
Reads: {"hour": 11, "minute": 9}
